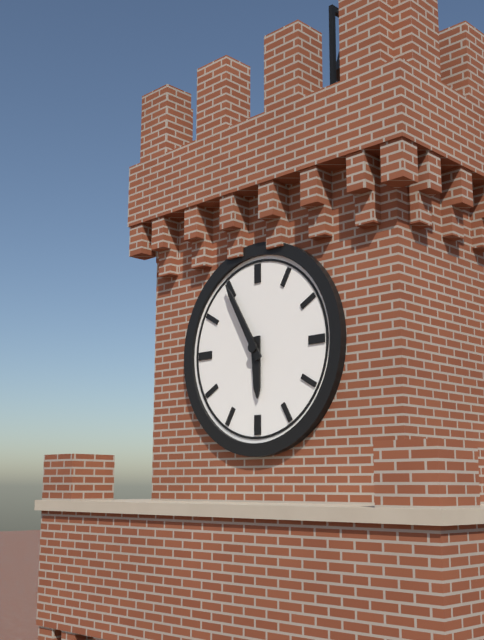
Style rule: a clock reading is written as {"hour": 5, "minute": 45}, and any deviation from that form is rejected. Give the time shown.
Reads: {"hour": 5, "minute": 55}
